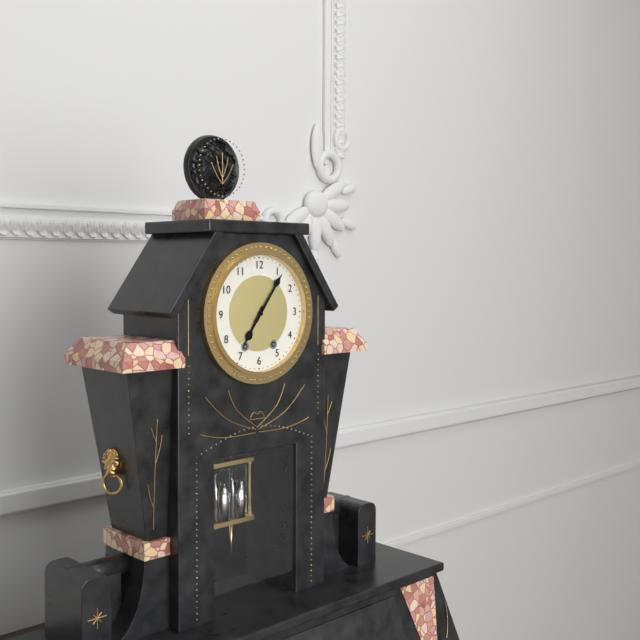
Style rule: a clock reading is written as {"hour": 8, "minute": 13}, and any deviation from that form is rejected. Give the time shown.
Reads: {"hour": 7, "minute": 6}
